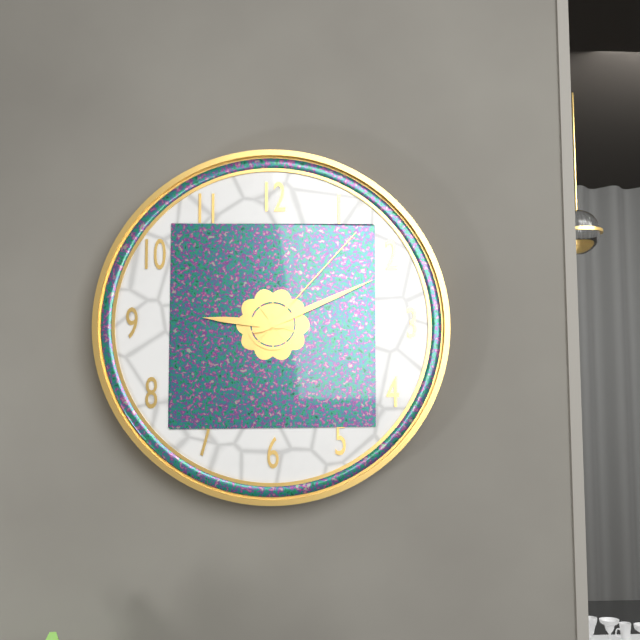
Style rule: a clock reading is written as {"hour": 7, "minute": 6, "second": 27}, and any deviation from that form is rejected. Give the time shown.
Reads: {"hour": 9, "minute": 11, "second": 7}
